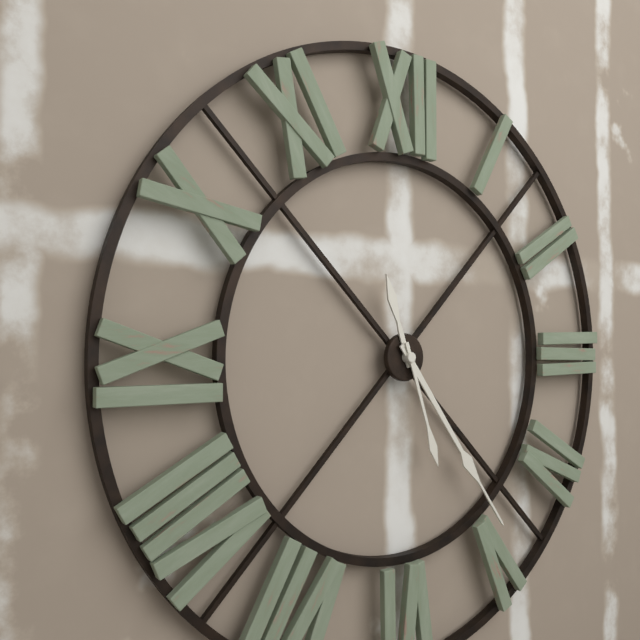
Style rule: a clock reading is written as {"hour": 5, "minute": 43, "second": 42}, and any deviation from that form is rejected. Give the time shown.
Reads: {"hour": 11, "minute": 24, "second": 27}
